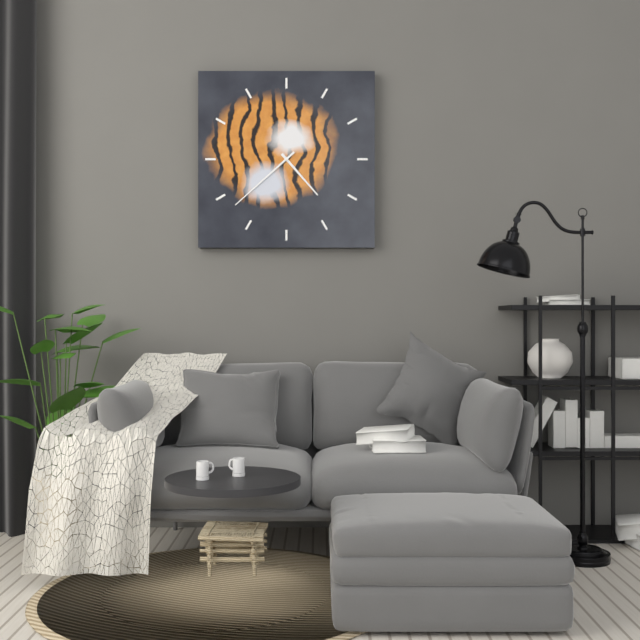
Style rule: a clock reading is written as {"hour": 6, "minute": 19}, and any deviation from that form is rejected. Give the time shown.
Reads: {"hour": 4, "minute": 38}
